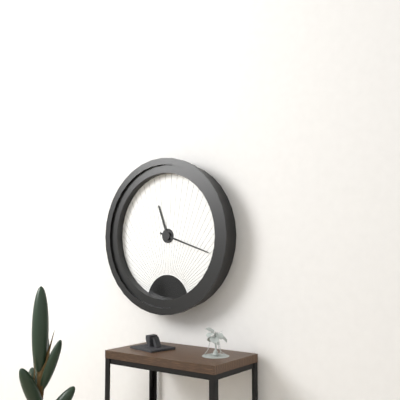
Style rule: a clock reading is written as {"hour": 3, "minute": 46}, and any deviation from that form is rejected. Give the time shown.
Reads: {"hour": 11, "minute": 18}
